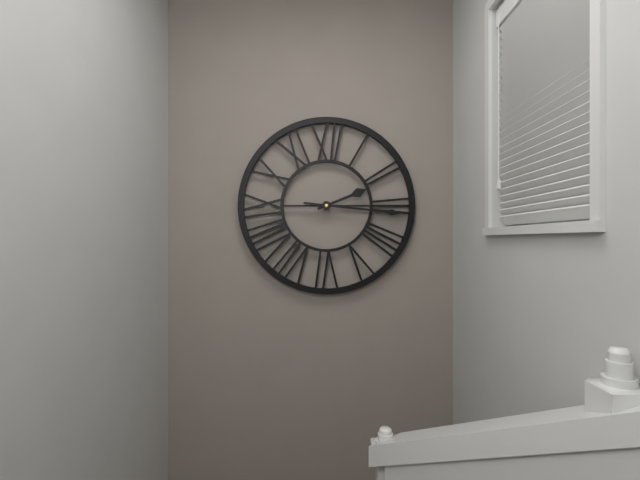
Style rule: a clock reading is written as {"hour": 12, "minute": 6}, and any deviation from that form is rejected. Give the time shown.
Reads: {"hour": 2, "minute": 16}
